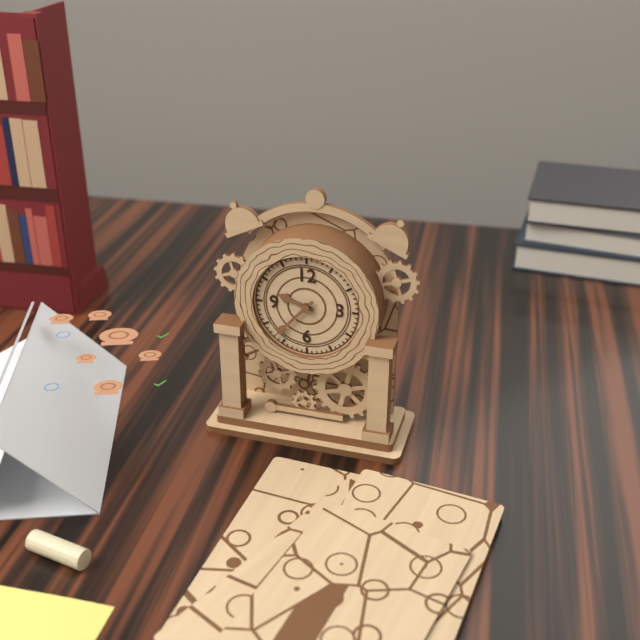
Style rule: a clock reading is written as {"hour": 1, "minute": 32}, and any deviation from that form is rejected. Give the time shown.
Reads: {"hour": 9, "minute": 37}
